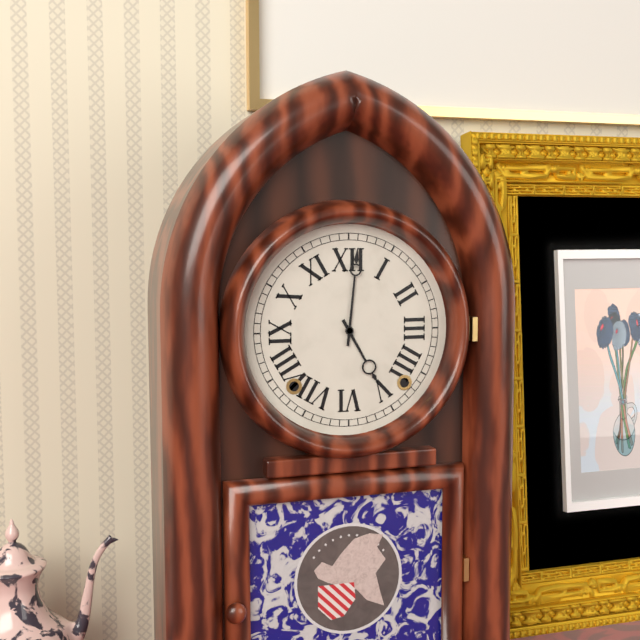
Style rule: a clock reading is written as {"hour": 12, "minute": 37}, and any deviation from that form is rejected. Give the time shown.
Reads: {"hour": 5, "minute": 1}
